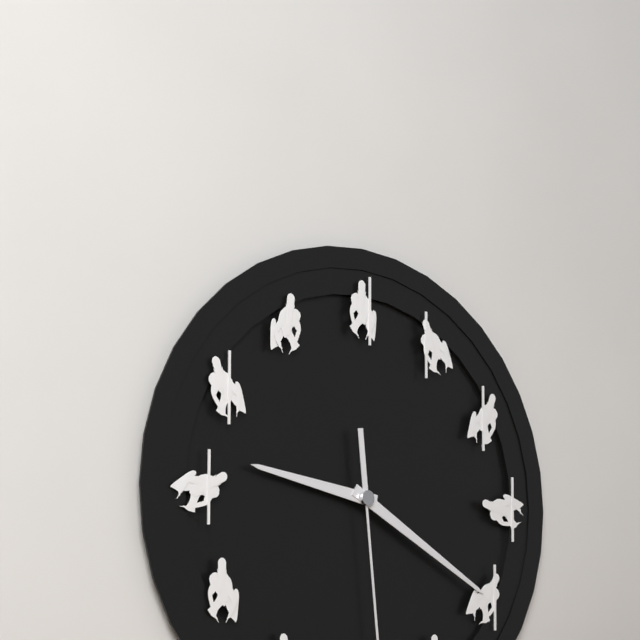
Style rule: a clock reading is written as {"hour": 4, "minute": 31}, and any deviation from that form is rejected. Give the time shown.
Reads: {"hour": 9, "minute": 20}
